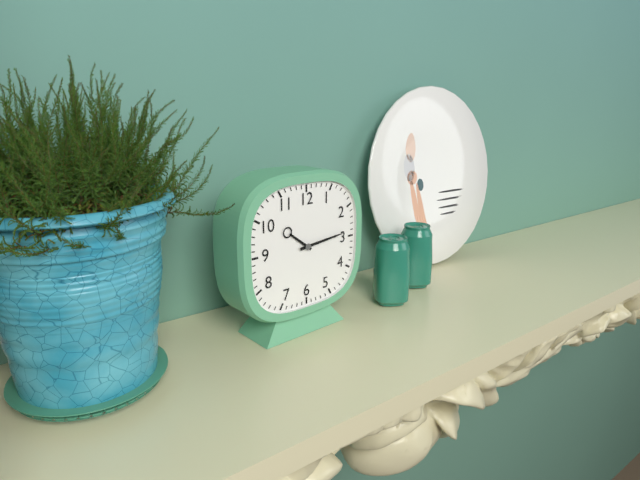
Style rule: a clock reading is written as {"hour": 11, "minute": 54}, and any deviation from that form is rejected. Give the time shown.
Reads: {"hour": 10, "minute": 14}
